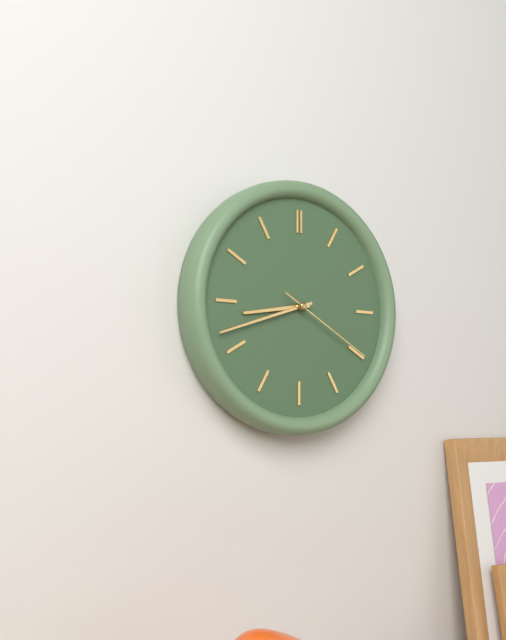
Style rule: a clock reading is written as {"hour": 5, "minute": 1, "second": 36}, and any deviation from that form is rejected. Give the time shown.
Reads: {"hour": 8, "minute": 42, "second": 20}
